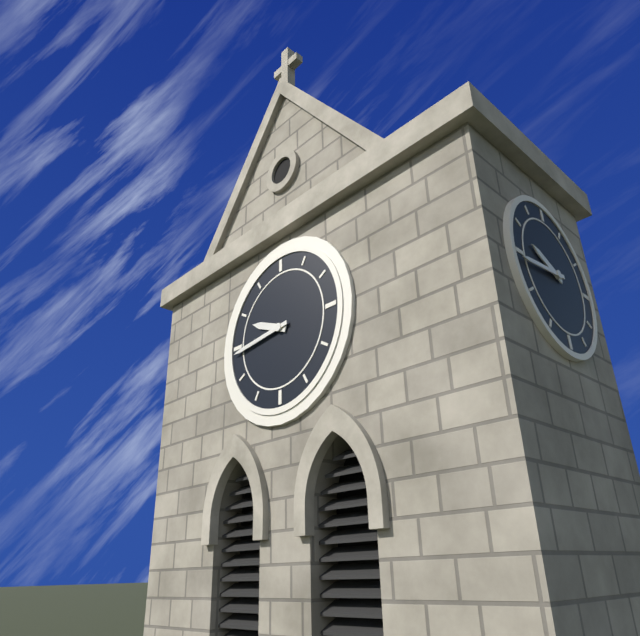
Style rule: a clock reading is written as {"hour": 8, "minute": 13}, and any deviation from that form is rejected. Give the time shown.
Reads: {"hour": 9, "minute": 44}
